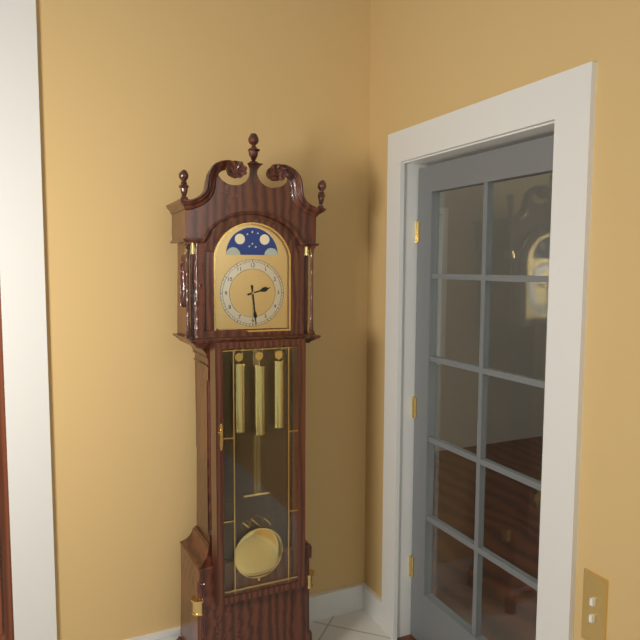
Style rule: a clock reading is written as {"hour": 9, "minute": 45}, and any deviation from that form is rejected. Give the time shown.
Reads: {"hour": 2, "minute": 29}
